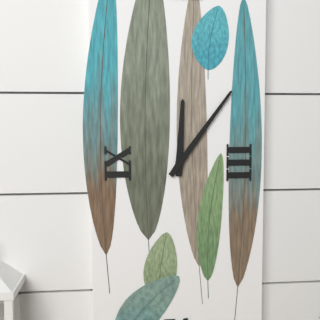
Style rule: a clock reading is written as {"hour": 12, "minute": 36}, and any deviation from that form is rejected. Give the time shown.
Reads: {"hour": 12, "minute": 6}
